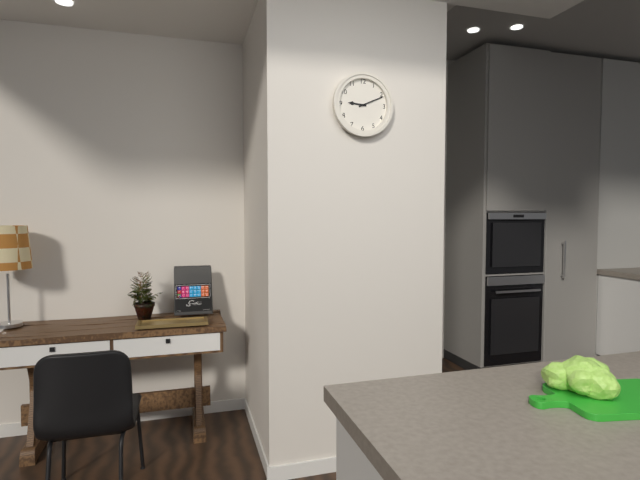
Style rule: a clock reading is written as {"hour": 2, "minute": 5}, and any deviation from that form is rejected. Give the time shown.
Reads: {"hour": 9, "minute": 11}
